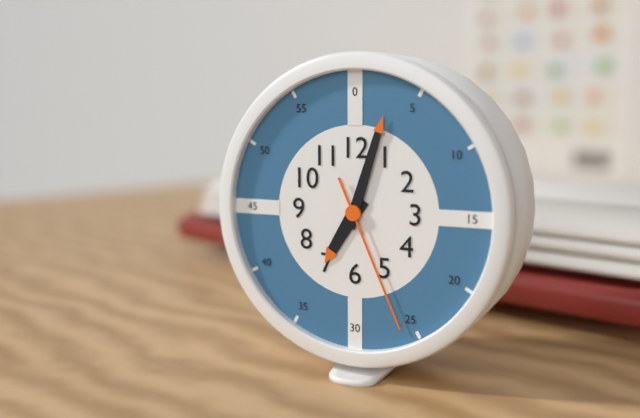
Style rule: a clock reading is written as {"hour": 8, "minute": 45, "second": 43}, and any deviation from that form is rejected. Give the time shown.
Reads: {"hour": 7, "minute": 3, "second": 26}
